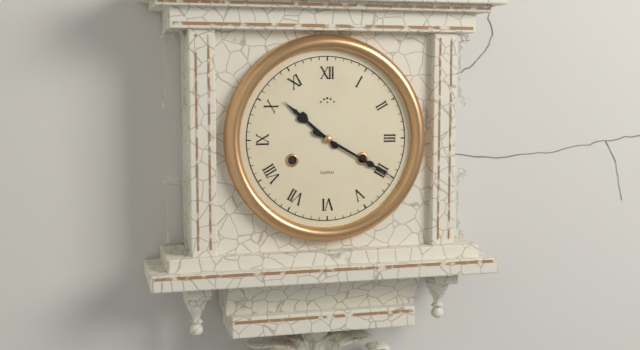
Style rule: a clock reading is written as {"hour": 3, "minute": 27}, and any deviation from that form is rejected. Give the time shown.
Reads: {"hour": 10, "minute": 20}
